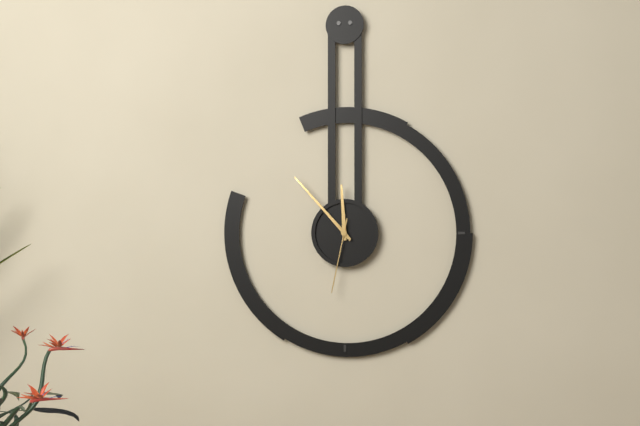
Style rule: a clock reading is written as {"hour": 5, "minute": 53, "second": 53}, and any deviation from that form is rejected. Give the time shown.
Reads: {"hour": 11, "minute": 53, "second": 32}
